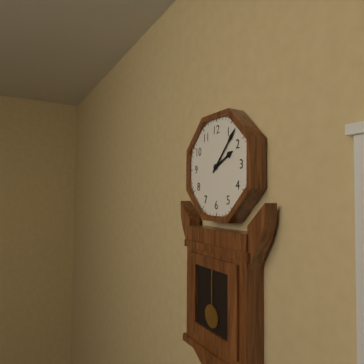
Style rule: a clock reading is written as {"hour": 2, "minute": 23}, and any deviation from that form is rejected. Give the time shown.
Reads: {"hour": 2, "minute": 7}
